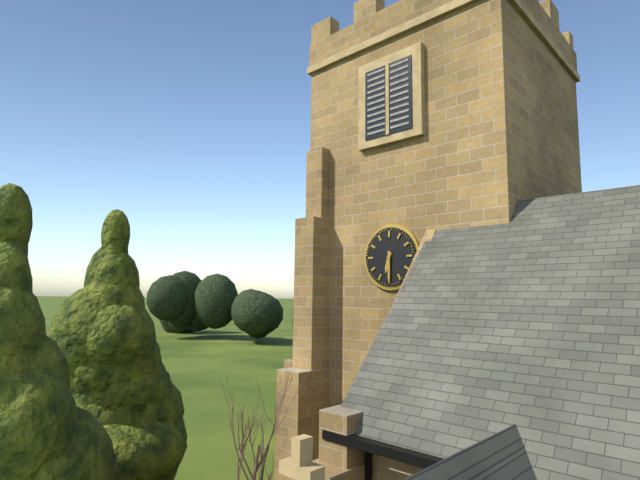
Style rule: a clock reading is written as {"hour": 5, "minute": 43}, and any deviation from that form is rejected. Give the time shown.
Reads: {"hour": 6, "minute": 30}
